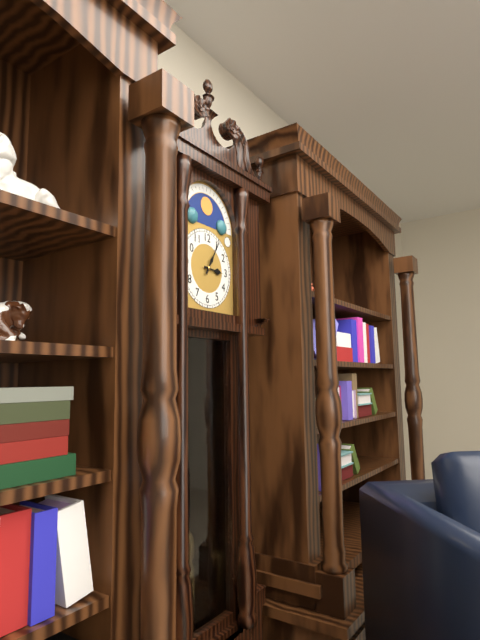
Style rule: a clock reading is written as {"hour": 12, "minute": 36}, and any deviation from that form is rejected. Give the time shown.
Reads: {"hour": 3, "minute": 5}
